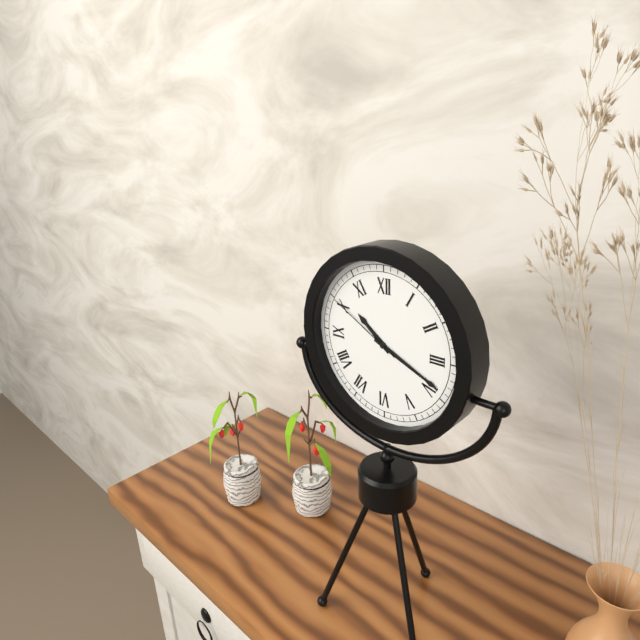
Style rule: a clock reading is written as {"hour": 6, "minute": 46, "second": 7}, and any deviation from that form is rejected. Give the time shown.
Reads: {"hour": 10, "minute": 19, "second": 50}
